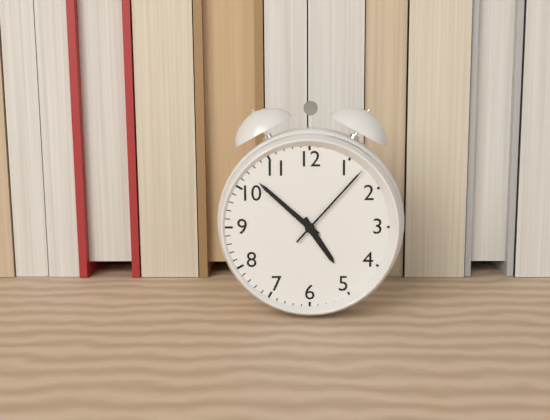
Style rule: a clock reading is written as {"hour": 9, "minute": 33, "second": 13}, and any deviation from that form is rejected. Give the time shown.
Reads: {"hour": 4, "minute": 52, "second": 7}
